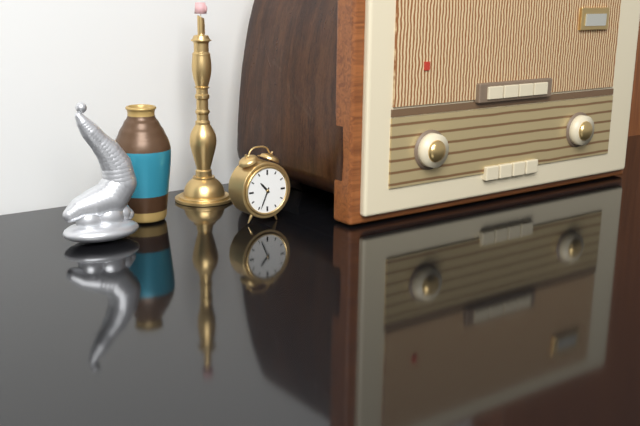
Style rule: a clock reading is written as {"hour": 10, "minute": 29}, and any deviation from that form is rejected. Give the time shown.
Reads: {"hour": 10, "minute": 34}
